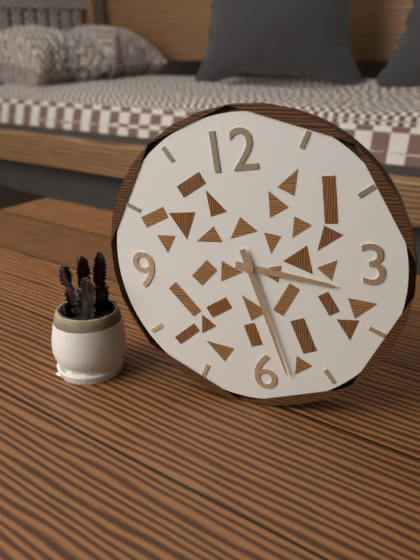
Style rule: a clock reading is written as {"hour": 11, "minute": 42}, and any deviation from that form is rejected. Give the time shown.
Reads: {"hour": 3, "minute": 28}
